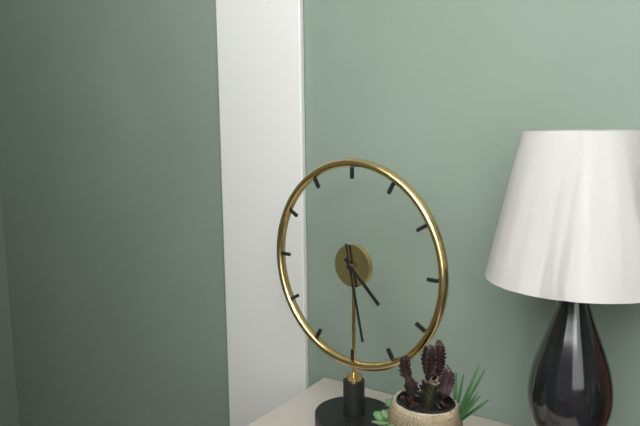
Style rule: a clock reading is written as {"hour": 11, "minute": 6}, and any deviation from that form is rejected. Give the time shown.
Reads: {"hour": 4, "minute": 28}
